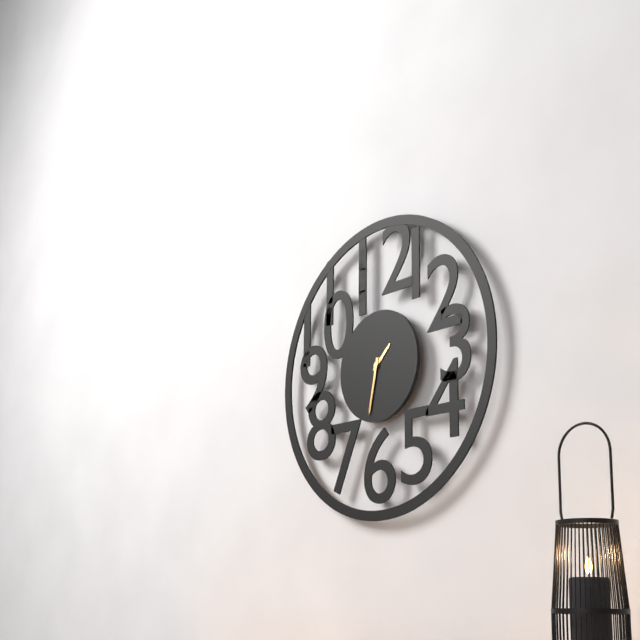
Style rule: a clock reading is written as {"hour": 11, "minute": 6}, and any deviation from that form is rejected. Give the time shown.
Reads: {"hour": 1, "minute": 32}
